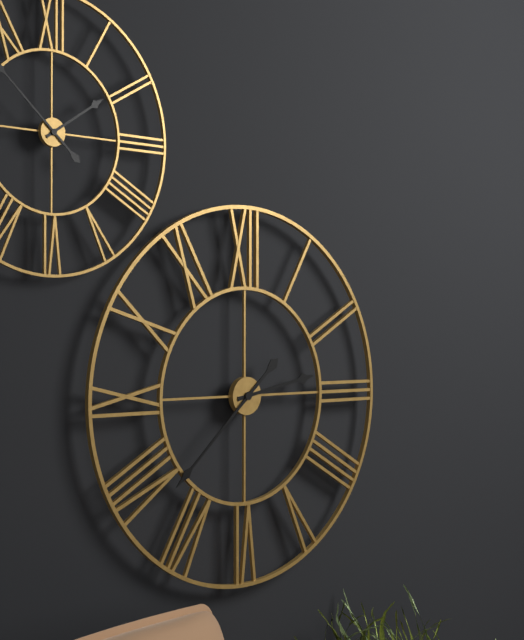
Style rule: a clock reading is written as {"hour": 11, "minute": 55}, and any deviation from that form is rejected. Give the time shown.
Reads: {"hour": 2, "minute": 38}
